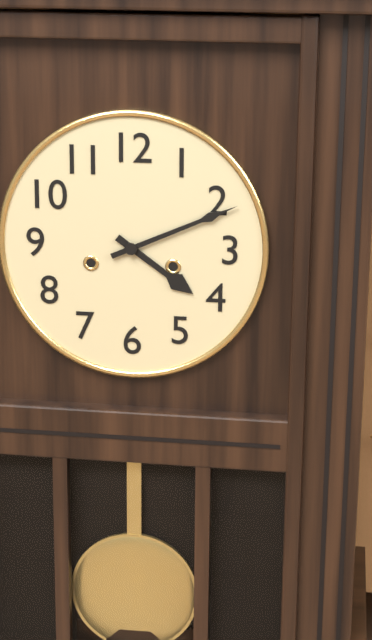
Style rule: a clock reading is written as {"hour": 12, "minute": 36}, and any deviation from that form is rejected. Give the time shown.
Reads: {"hour": 4, "minute": 11}
